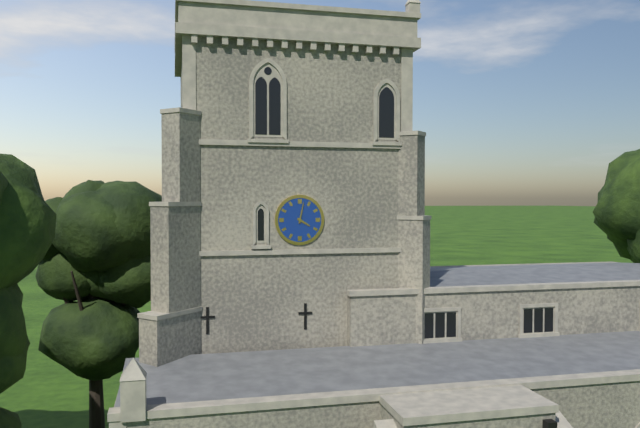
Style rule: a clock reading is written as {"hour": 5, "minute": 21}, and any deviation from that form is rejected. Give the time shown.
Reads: {"hour": 4, "minute": 2}
